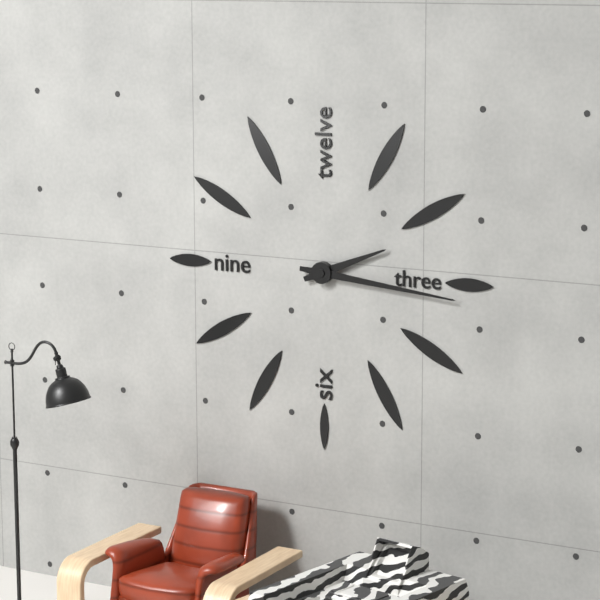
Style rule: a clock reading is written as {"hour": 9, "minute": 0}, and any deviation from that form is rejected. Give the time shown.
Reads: {"hour": 2, "minute": 16}
